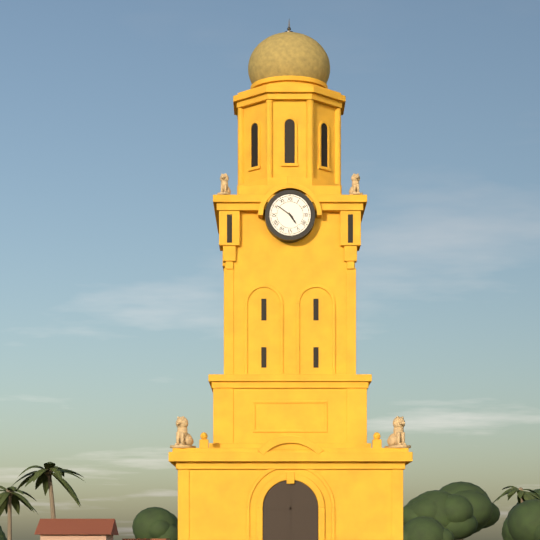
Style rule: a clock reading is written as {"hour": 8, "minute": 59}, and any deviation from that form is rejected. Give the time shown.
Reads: {"hour": 4, "minute": 51}
